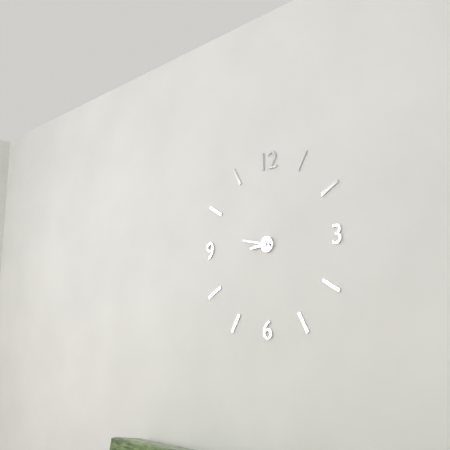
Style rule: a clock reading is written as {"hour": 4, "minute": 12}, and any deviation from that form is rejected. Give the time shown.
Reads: {"hour": 8, "minute": 47}
